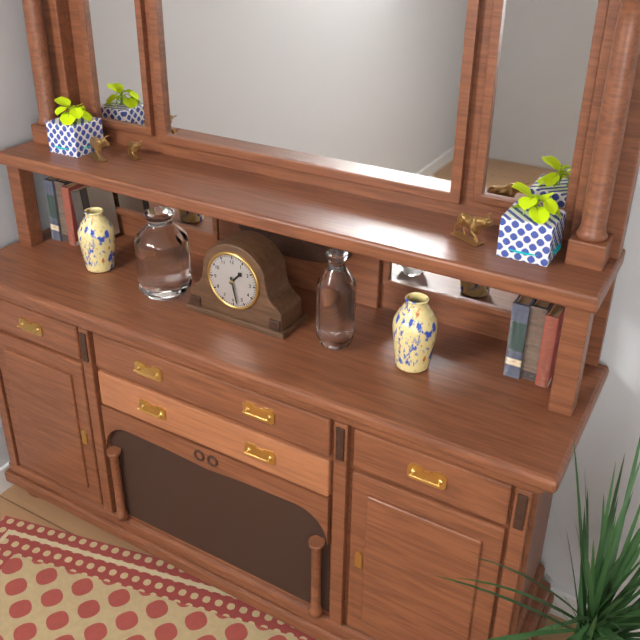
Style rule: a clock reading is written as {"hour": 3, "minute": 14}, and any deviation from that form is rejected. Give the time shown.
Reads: {"hour": 1, "minute": 28}
